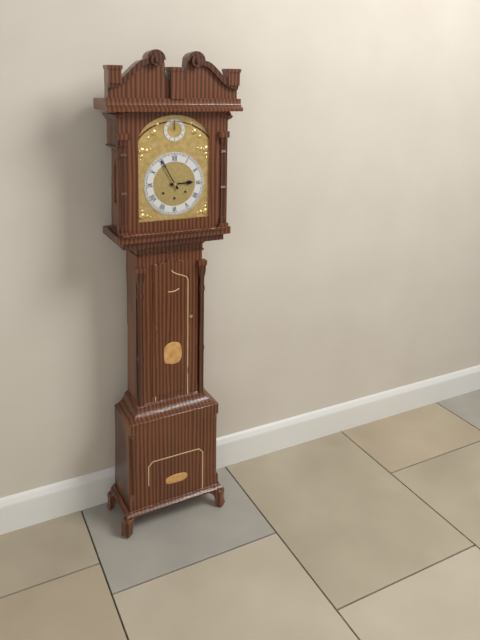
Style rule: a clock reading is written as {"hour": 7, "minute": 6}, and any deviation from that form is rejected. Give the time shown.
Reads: {"hour": 2, "minute": 55}
